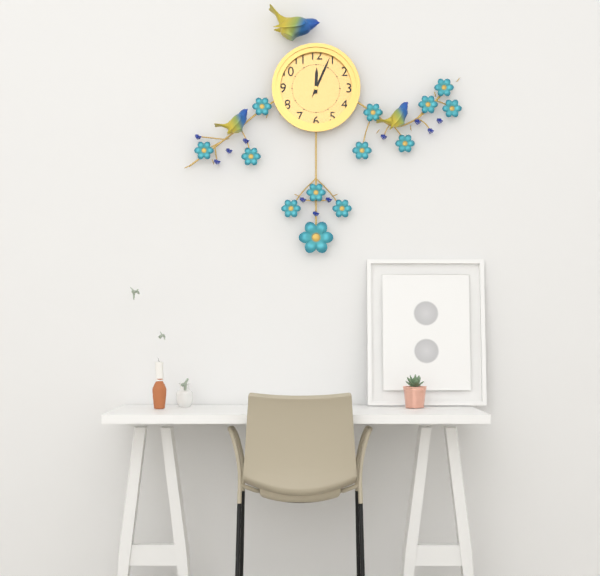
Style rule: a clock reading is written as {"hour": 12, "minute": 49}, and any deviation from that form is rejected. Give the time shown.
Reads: {"hour": 12, "minute": 4}
